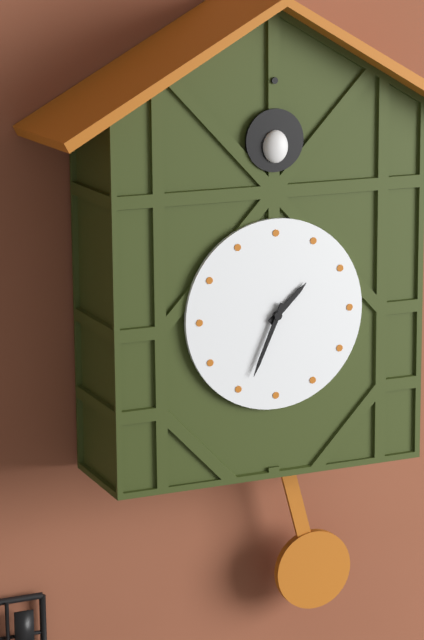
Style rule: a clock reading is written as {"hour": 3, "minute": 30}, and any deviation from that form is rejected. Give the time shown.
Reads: {"hour": 1, "minute": 34}
